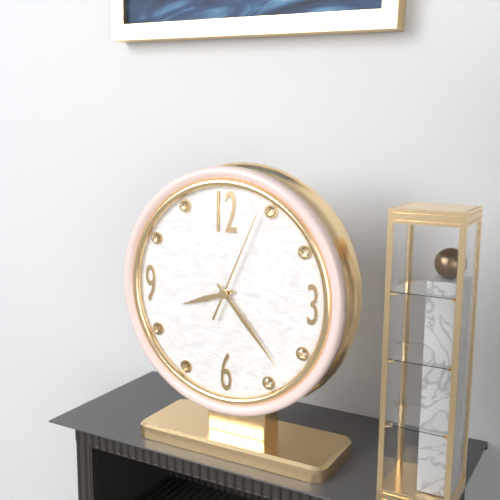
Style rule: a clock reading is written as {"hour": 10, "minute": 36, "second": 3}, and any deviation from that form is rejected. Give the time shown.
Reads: {"hour": 8, "minute": 23, "second": 4}
